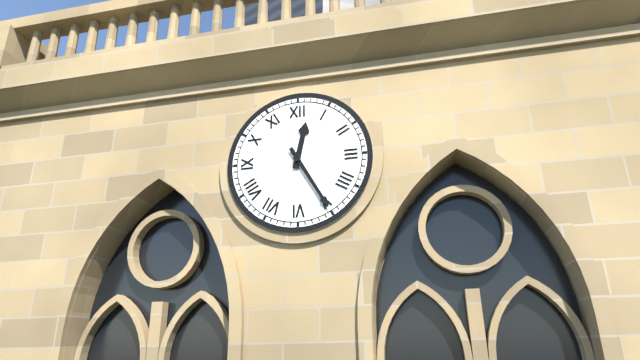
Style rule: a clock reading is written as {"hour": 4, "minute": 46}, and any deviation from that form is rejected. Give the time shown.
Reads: {"hour": 12, "minute": 25}
